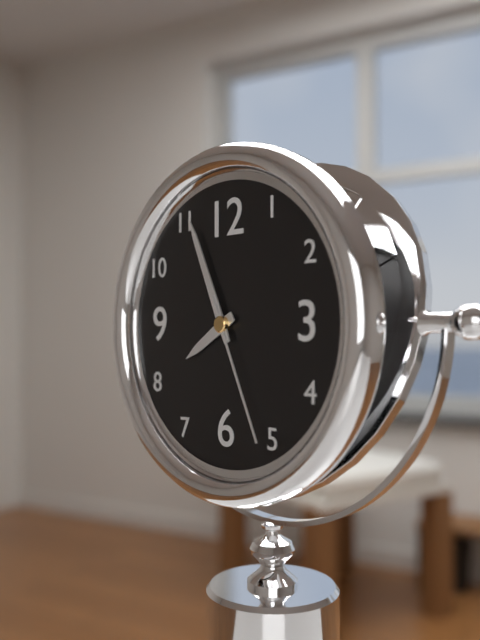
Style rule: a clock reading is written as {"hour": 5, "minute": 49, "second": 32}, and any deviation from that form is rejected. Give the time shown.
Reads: {"hour": 7, "minute": 56, "second": 26}
